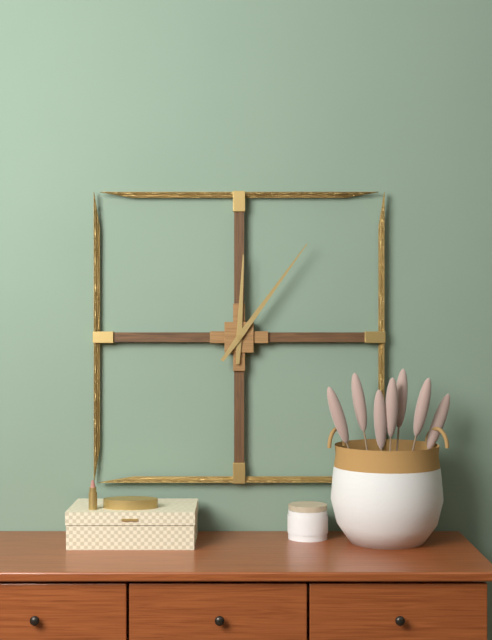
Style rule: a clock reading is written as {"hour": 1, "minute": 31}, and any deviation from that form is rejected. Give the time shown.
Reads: {"hour": 12, "minute": 6}
